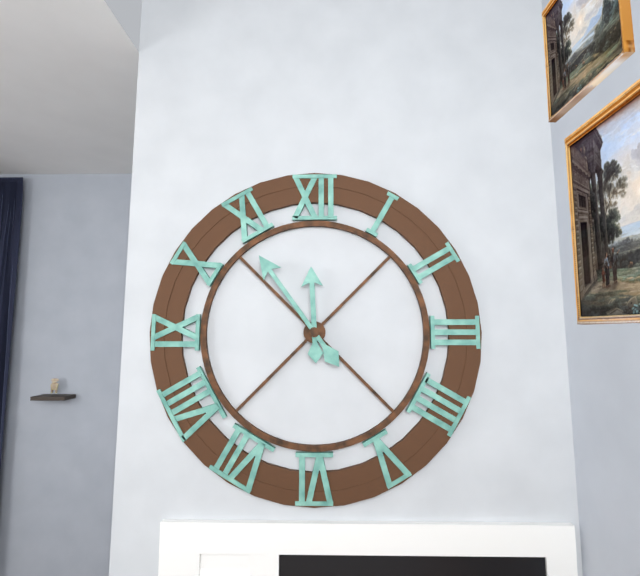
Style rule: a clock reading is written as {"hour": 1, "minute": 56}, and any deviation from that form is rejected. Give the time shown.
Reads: {"hour": 11, "minute": 54}
